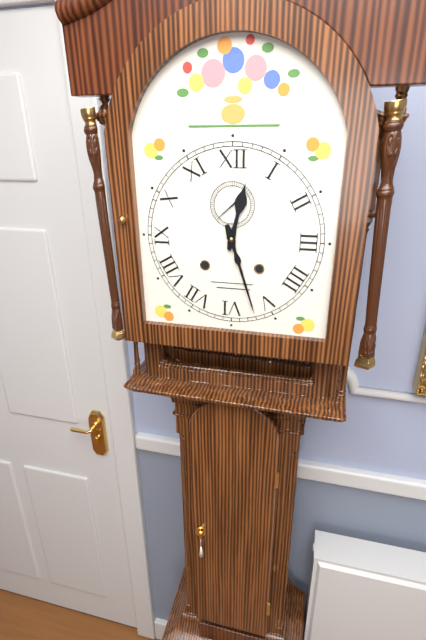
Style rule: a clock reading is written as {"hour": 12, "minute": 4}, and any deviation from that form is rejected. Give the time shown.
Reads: {"hour": 12, "minute": 27}
